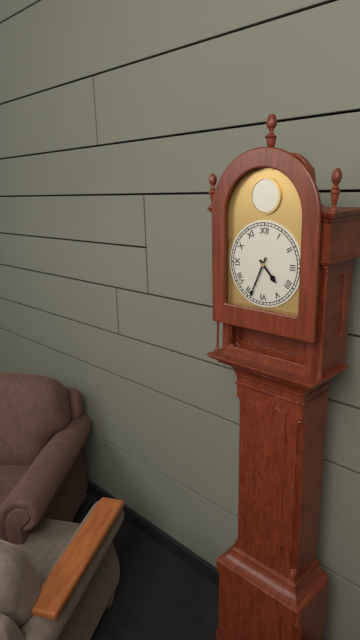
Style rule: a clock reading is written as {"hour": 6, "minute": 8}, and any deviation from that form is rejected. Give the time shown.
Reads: {"hour": 4, "minute": 34}
